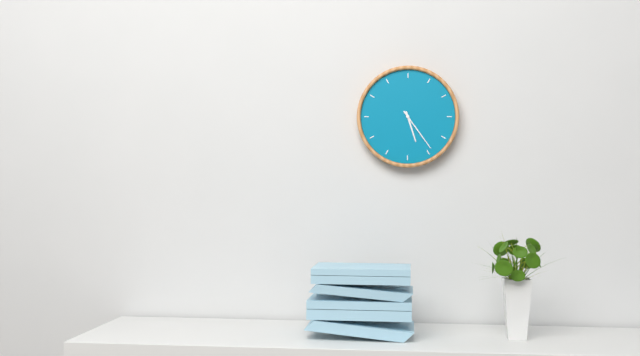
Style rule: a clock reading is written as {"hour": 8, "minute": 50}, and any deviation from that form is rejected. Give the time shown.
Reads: {"hour": 5, "minute": 24}
